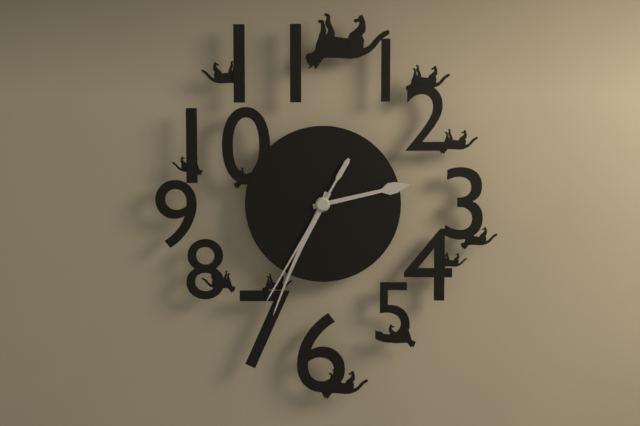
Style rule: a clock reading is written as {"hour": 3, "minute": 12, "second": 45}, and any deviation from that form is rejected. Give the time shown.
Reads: {"hour": 2, "minute": 34, "second": 35}
